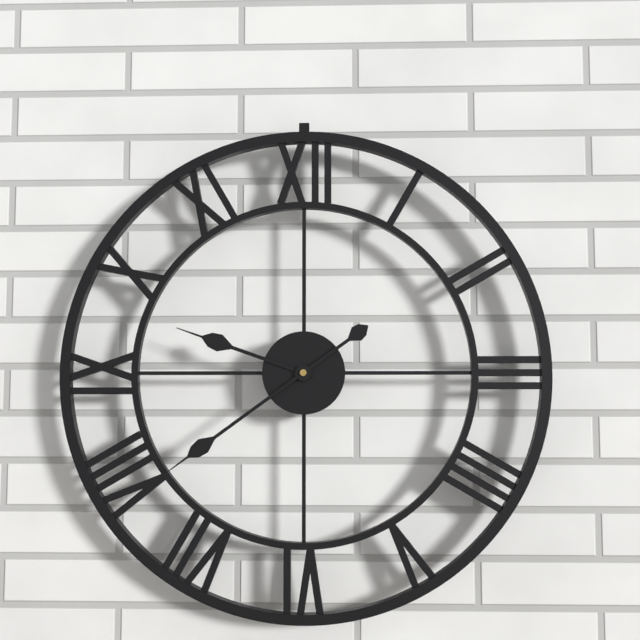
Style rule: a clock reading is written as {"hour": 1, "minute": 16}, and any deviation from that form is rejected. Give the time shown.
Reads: {"hour": 9, "minute": 39}
